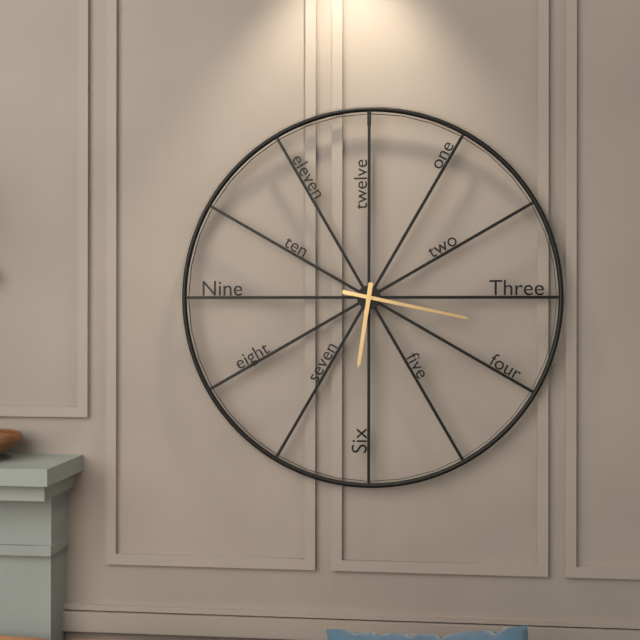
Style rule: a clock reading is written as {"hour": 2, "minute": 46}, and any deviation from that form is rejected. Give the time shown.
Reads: {"hour": 6, "minute": 17}
